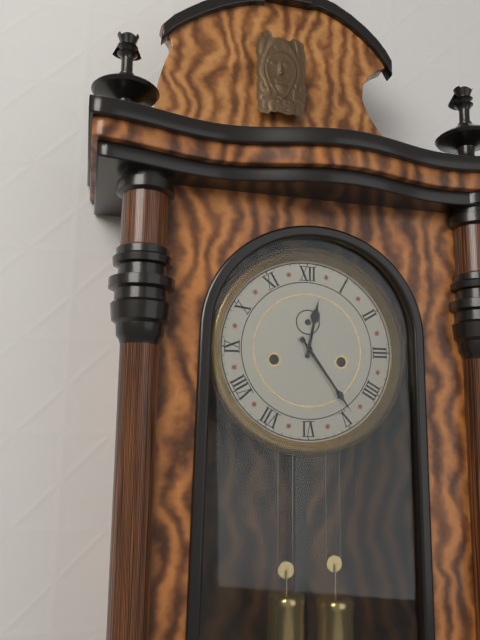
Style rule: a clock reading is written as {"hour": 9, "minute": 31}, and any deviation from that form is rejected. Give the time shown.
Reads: {"hour": 12, "minute": 24}
